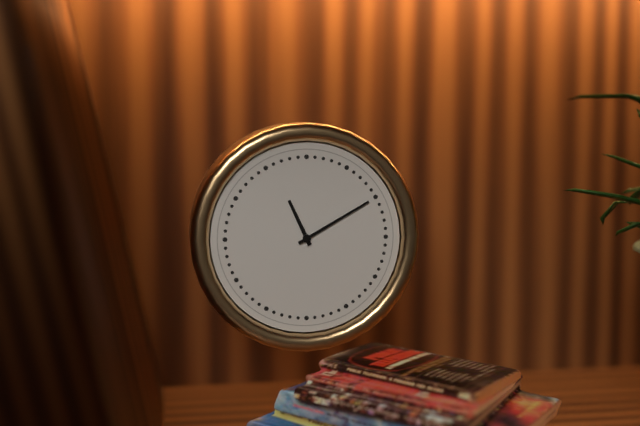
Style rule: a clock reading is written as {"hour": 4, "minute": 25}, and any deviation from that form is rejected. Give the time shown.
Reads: {"hour": 11, "minute": 10}
